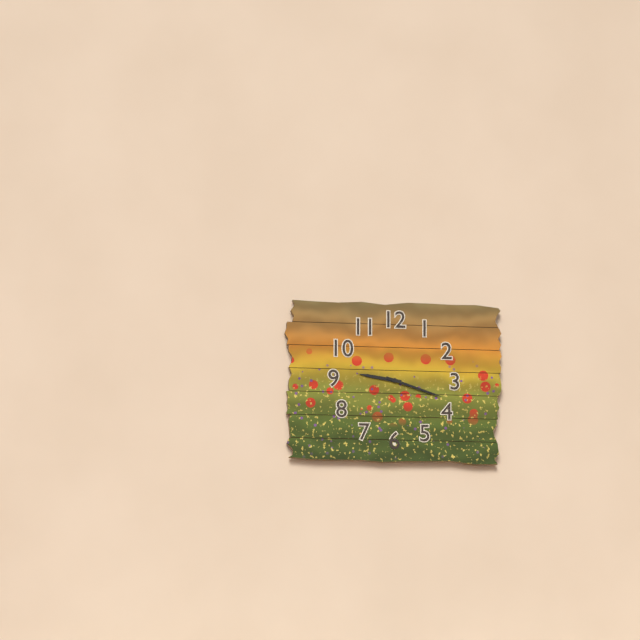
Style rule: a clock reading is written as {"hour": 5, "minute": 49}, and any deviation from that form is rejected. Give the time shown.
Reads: {"hour": 9, "minute": 18}
